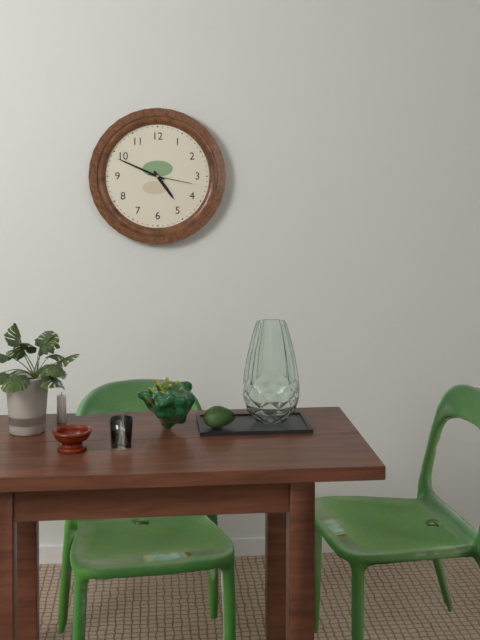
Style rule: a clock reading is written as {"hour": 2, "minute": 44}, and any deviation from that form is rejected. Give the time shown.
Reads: {"hour": 4, "minute": 49}
